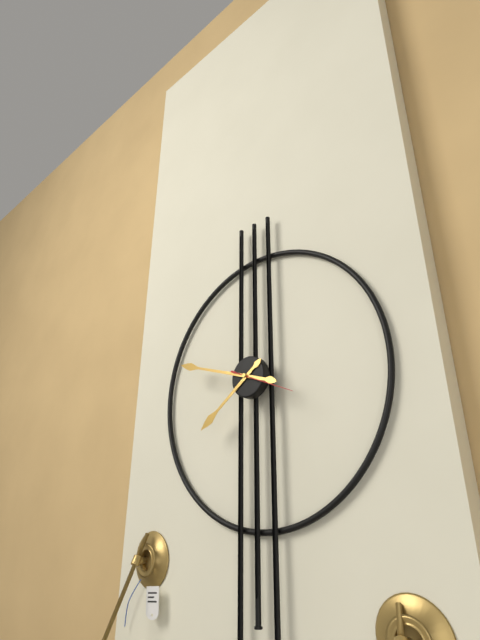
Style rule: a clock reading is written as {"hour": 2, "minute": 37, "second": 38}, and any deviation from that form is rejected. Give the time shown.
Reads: {"hour": 7, "minute": 48, "second": 19}
